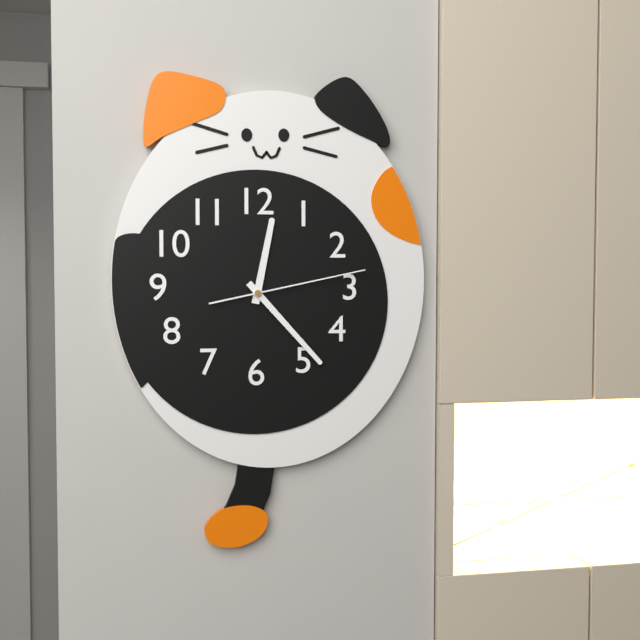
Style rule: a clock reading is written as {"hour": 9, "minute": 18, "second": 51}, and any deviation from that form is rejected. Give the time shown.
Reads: {"hour": 12, "minute": 23, "second": 13}
